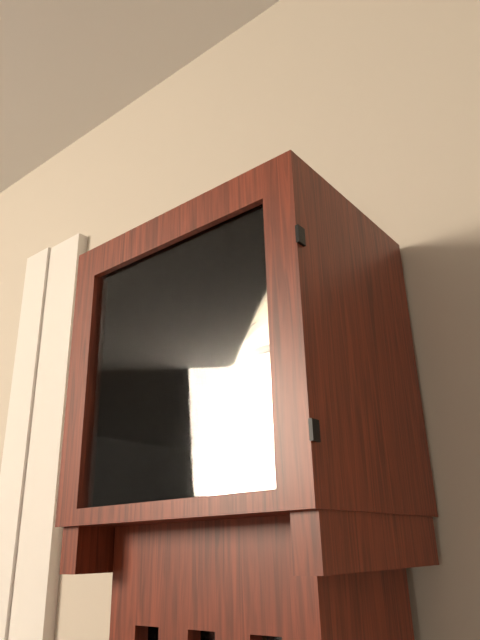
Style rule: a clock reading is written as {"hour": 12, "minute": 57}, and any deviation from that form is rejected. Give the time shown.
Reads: {"hour": 12, "minute": 12}
